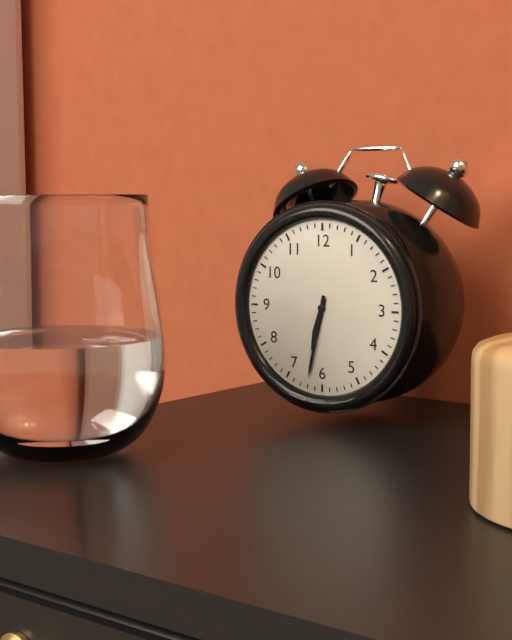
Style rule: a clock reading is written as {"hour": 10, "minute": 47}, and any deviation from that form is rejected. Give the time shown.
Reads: {"hour": 6, "minute": 32}
